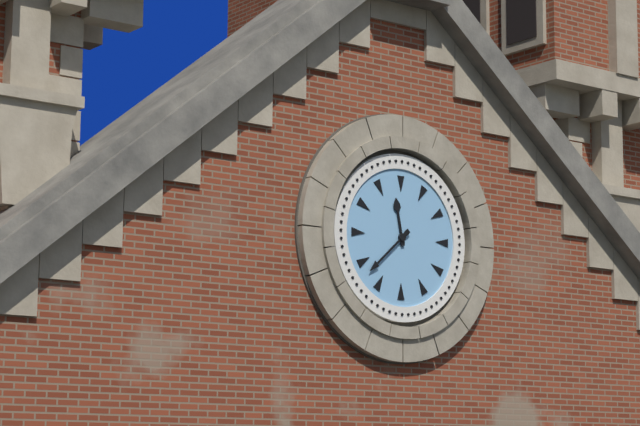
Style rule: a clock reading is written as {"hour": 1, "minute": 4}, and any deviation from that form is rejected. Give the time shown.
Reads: {"hour": 11, "minute": 38}
